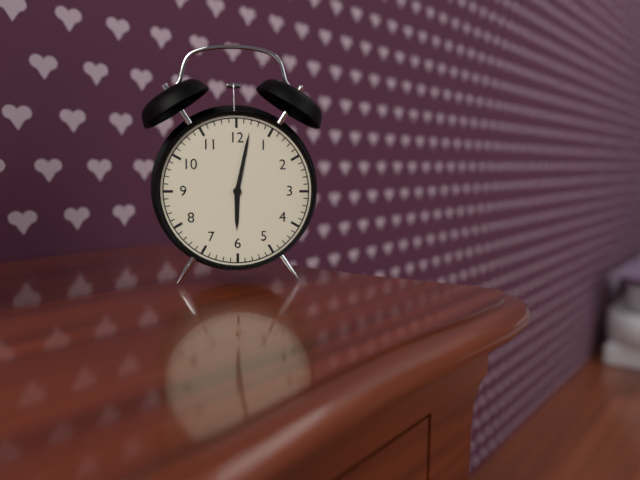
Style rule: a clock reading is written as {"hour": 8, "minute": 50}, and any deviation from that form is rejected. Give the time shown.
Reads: {"hour": 6, "minute": 2}
